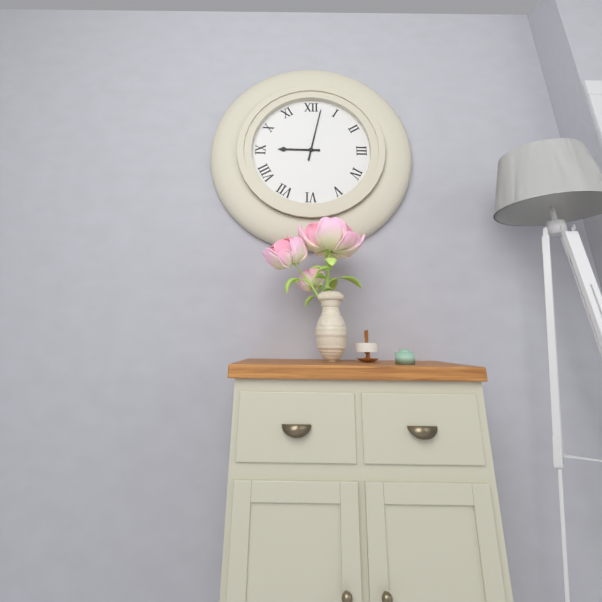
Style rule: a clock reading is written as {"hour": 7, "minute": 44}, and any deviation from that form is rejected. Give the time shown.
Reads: {"hour": 9, "minute": 2}
